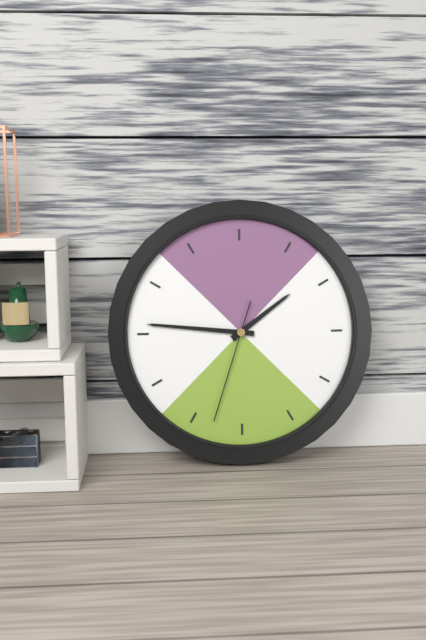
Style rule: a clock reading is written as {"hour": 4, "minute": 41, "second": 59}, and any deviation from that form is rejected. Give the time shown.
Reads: {"hour": 1, "minute": 46, "second": 33}
